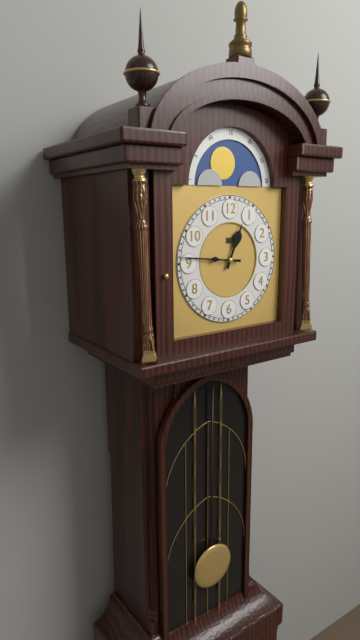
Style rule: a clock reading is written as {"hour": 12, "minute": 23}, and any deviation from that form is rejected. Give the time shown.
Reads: {"hour": 12, "minute": 46}
